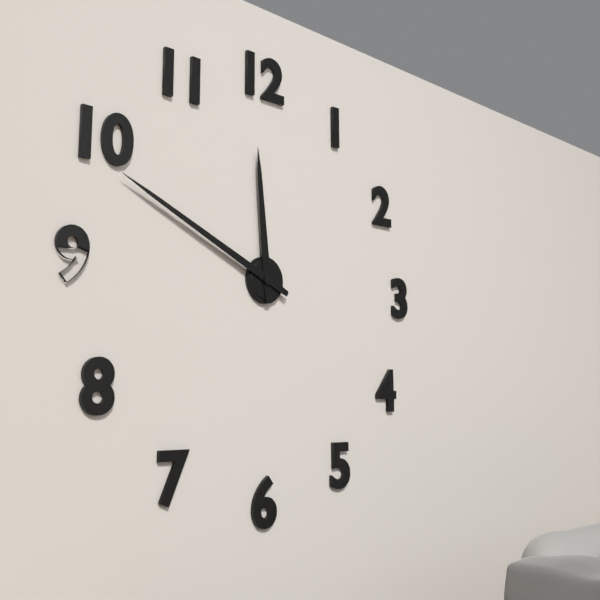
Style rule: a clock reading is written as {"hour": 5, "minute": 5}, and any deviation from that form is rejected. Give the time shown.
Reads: {"hour": 11, "minute": 49}
